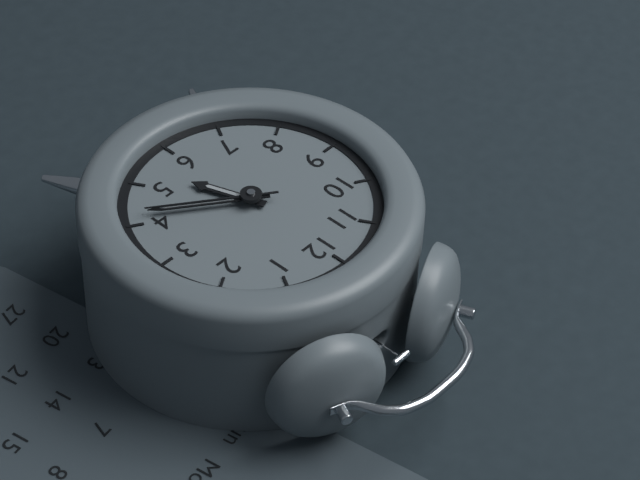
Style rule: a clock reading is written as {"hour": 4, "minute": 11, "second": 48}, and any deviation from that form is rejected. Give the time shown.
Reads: {"hour": 5, "minute": 21, "second": 21}
